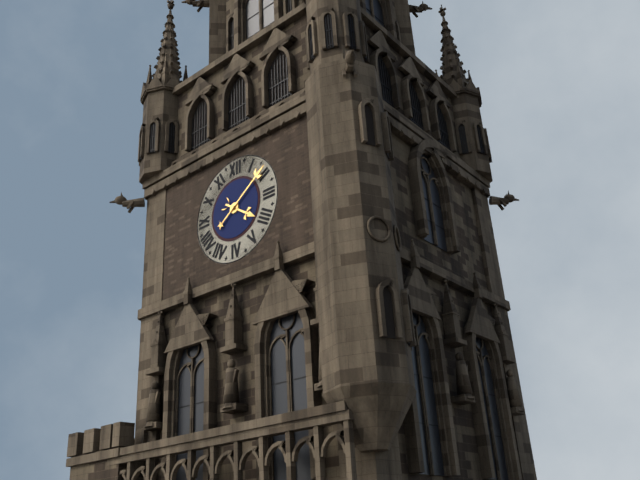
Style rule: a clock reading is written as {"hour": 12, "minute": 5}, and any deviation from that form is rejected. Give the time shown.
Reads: {"hour": 4, "minute": 9}
